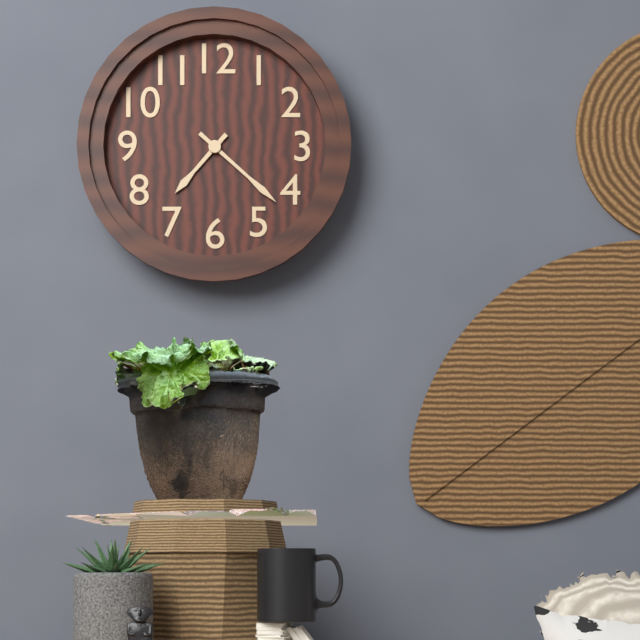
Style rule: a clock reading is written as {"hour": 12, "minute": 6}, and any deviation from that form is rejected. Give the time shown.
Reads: {"hour": 7, "minute": 22}
